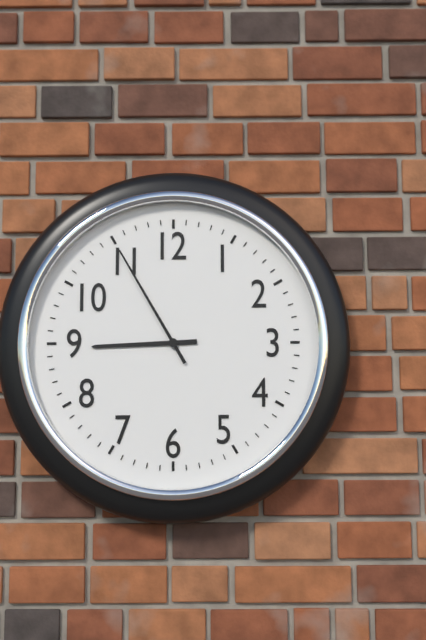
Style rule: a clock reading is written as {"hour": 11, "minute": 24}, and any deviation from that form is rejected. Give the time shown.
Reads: {"hour": 8, "minute": 55}
